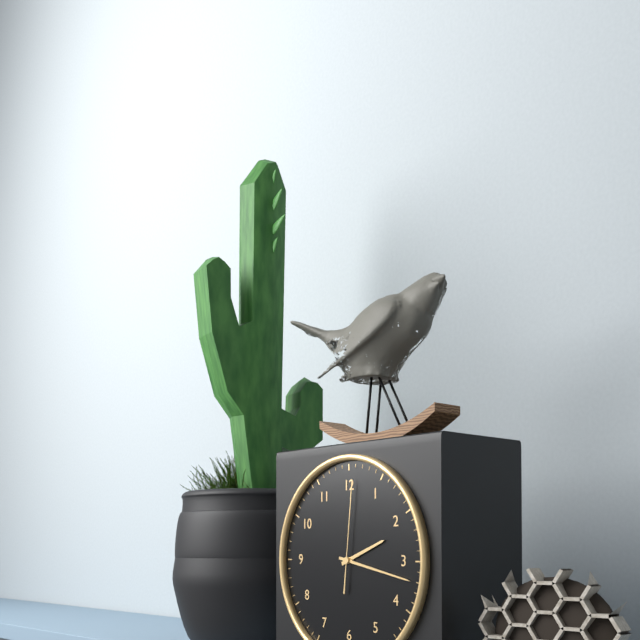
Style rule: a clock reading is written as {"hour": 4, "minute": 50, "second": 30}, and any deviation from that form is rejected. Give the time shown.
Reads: {"hour": 2, "minute": 17, "second": 1}
